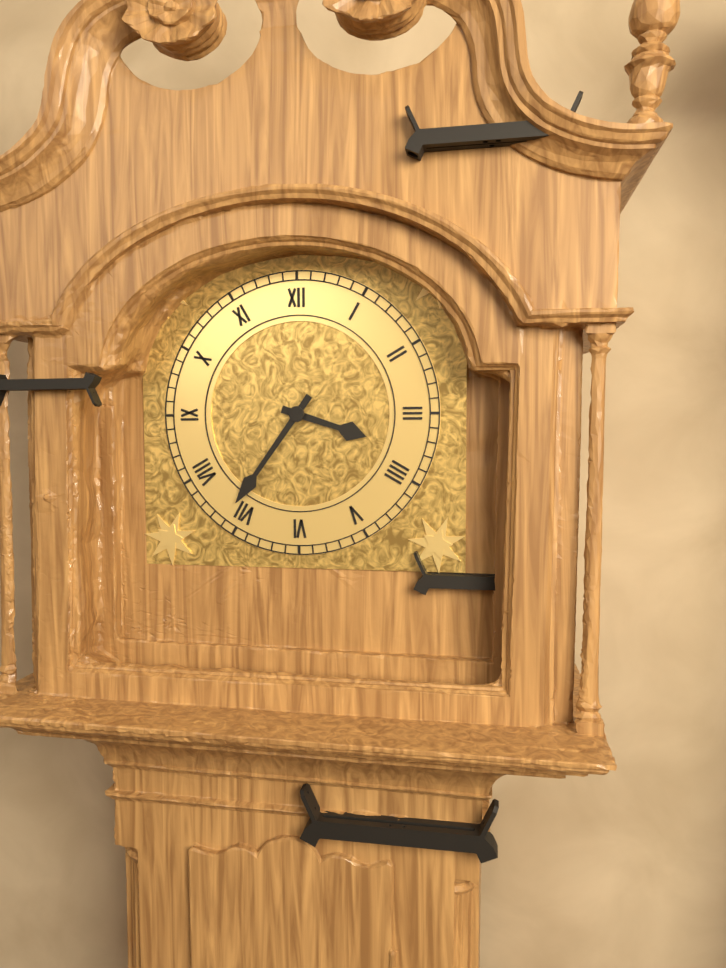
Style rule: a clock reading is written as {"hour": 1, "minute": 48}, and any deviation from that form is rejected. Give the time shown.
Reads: {"hour": 3, "minute": 36}
